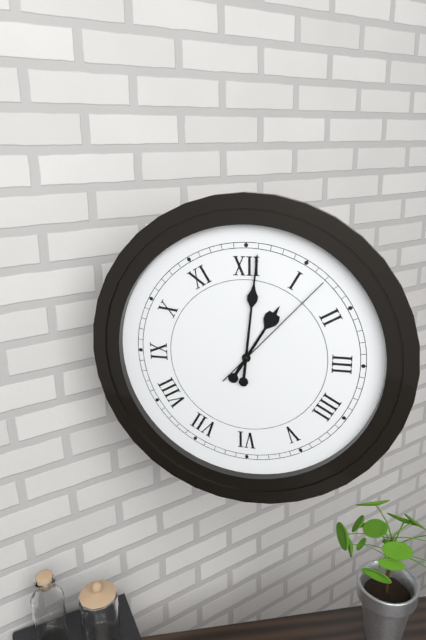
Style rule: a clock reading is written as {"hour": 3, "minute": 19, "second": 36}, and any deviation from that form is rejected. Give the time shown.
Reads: {"hour": 1, "minute": 1, "second": 7}
